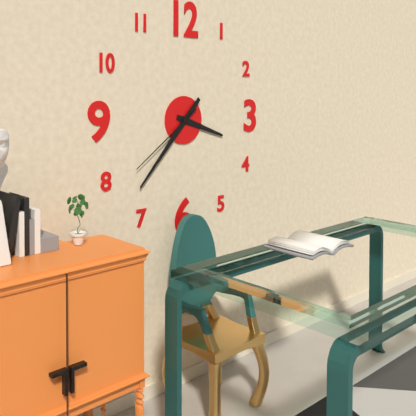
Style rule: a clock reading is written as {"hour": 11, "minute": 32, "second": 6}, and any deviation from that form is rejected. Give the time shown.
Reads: {"hour": 3, "minute": 37, "second": 39}
